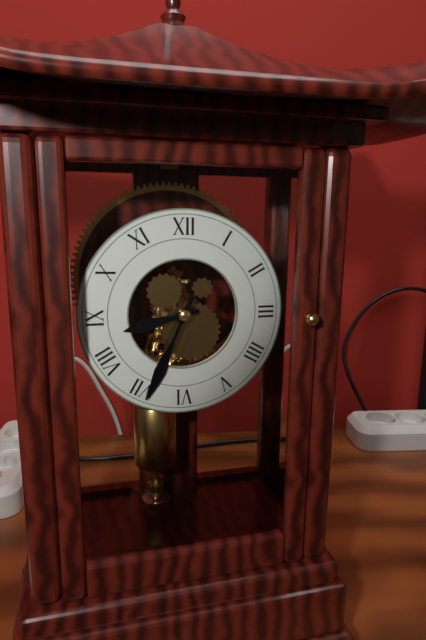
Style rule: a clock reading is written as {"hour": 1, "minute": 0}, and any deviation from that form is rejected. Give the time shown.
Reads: {"hour": 8, "minute": 34}
